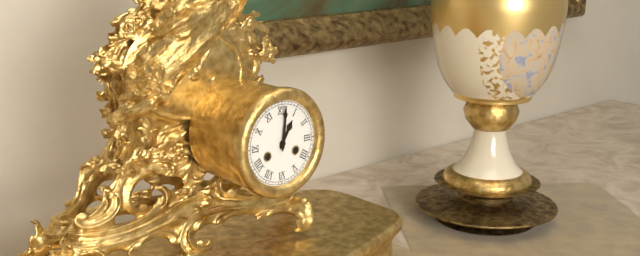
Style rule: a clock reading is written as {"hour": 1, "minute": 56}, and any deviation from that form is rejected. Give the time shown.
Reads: {"hour": 1, "minute": 1}
